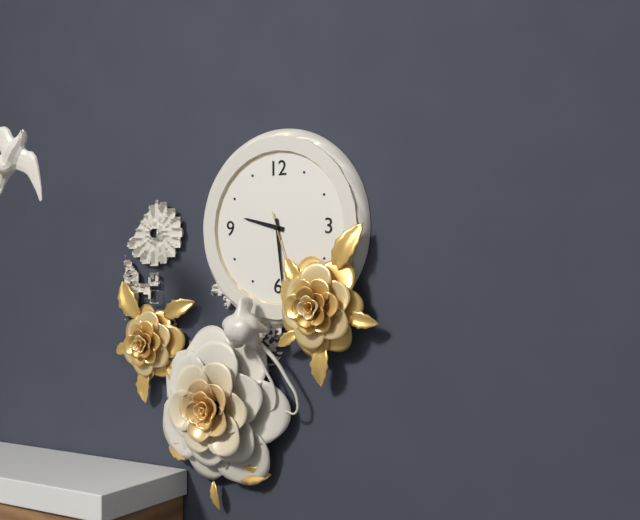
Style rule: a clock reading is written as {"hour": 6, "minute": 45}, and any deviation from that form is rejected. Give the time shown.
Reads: {"hour": 9, "minute": 29}
